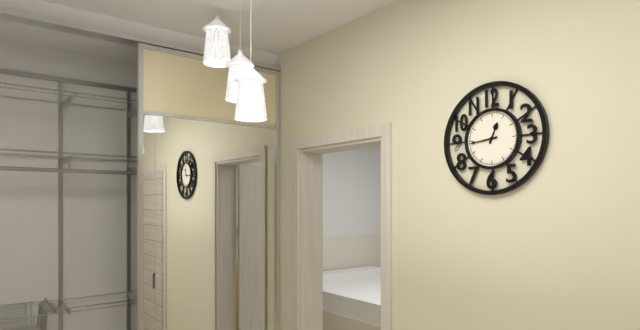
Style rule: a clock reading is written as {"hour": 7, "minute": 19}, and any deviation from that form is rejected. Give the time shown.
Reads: {"hour": 12, "minute": 44}
